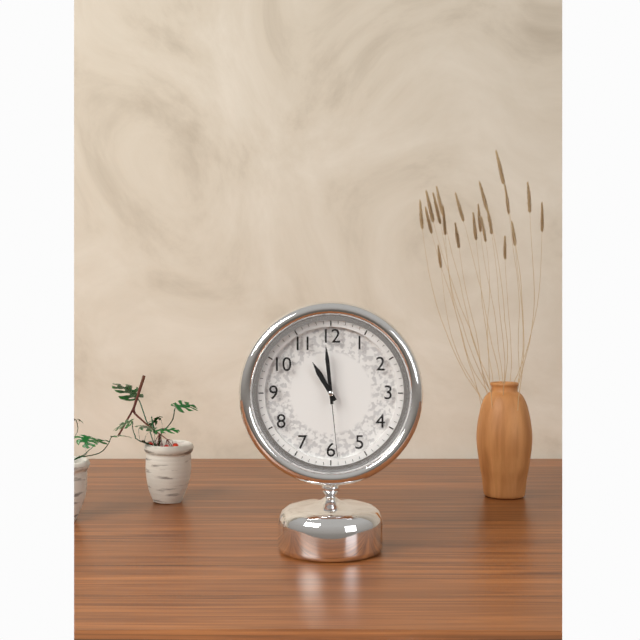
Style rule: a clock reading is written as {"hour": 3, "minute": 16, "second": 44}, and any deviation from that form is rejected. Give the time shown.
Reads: {"hour": 10, "minute": 59, "second": 29}
